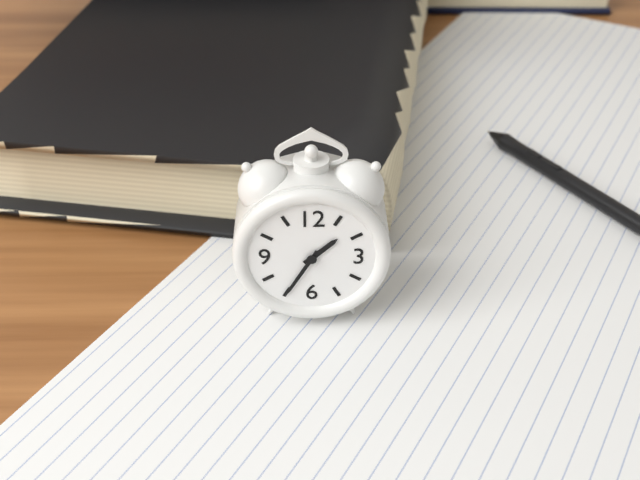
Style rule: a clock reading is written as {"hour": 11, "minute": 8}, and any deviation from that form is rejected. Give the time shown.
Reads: {"hour": 1, "minute": 35}
